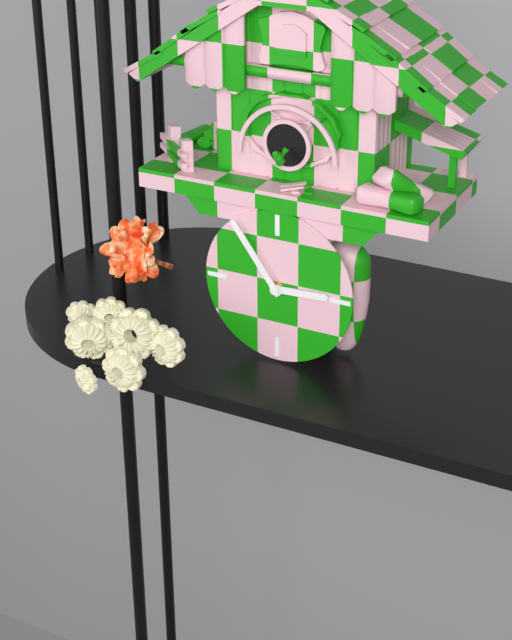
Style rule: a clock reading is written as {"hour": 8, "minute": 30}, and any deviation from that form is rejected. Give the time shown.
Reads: {"hour": 2, "minute": 54}
